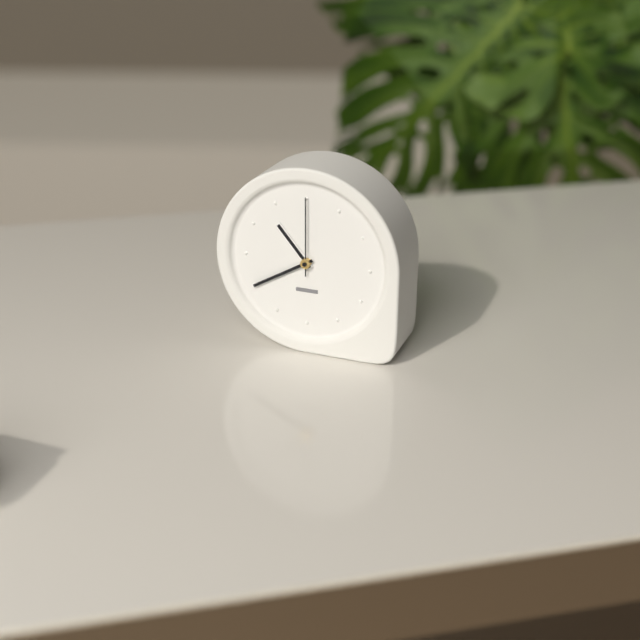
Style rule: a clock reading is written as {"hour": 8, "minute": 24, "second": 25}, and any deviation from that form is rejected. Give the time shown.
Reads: {"hour": 10, "minute": 40, "second": 0}
